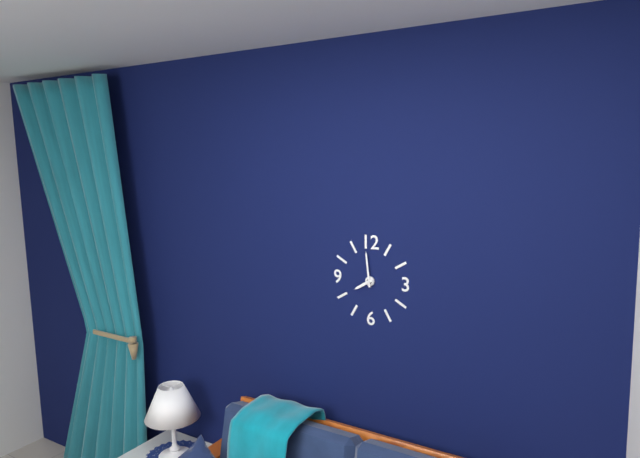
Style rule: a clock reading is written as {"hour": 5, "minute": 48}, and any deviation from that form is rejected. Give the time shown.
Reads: {"hour": 7, "minute": 59}
